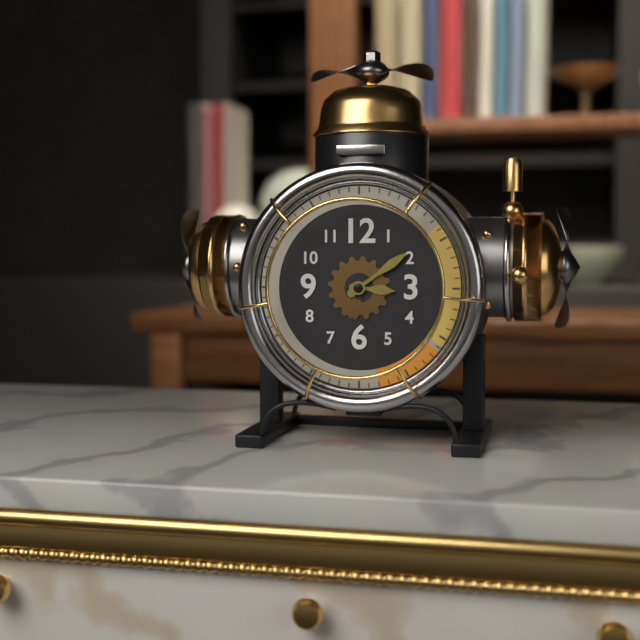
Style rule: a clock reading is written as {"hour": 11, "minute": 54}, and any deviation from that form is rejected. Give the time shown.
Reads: {"hour": 3, "minute": 9}
